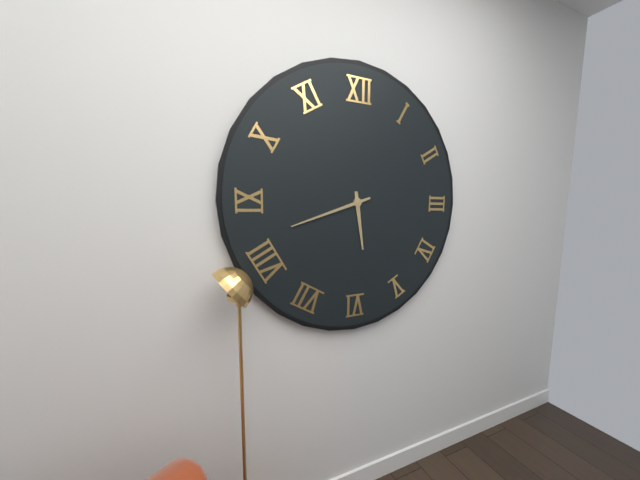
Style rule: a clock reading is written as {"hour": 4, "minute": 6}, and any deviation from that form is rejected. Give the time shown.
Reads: {"hour": 5, "minute": 42}
